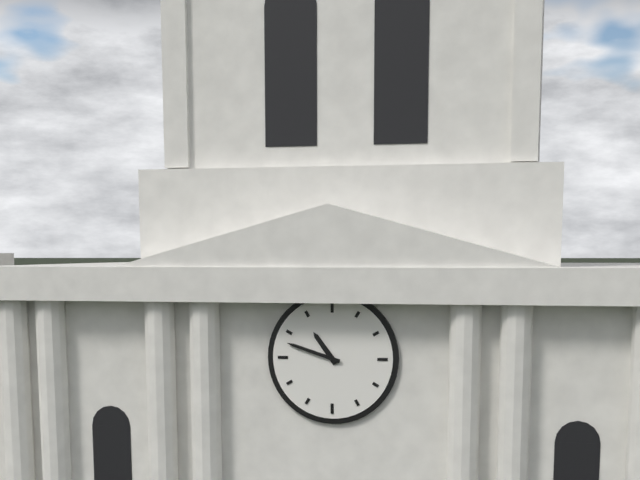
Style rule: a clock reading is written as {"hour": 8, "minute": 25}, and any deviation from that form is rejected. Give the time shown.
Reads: {"hour": 10, "minute": 48}
